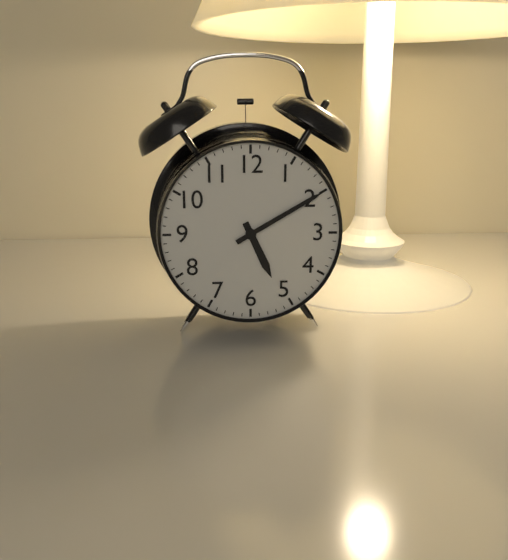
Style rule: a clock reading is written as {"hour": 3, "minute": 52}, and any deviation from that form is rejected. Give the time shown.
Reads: {"hour": 5, "minute": 10}
